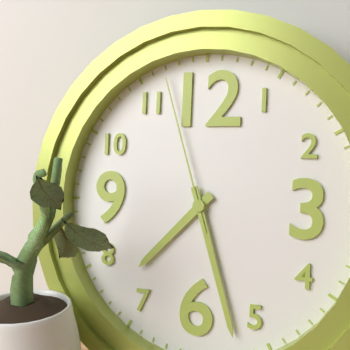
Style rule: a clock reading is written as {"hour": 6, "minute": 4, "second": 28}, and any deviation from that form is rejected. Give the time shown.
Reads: {"hour": 7, "minute": 27, "second": 57}
